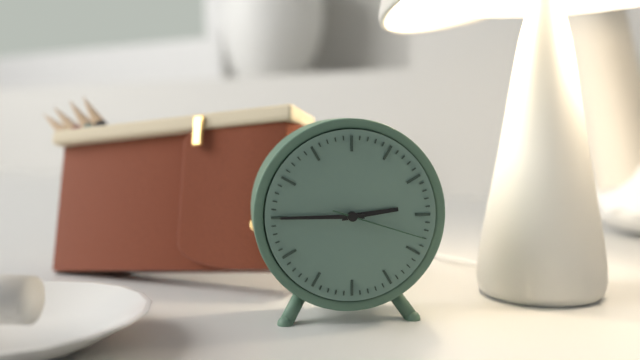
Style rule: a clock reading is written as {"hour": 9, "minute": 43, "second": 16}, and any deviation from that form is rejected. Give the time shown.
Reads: {"hour": 2, "minute": 45, "second": 18}
